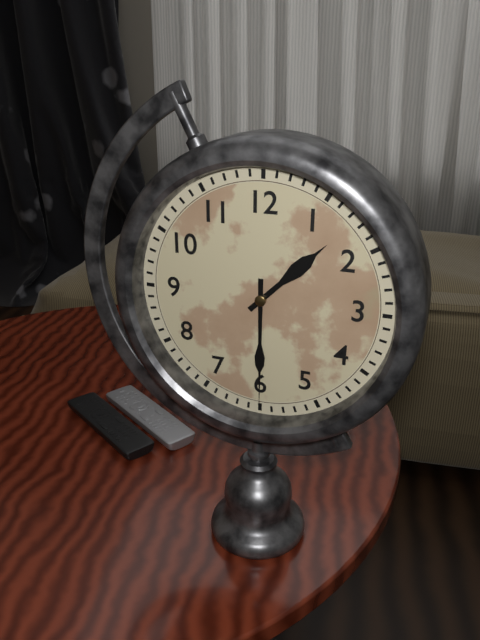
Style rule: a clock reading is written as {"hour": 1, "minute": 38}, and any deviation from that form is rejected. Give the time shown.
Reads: {"hour": 1, "minute": 30}
